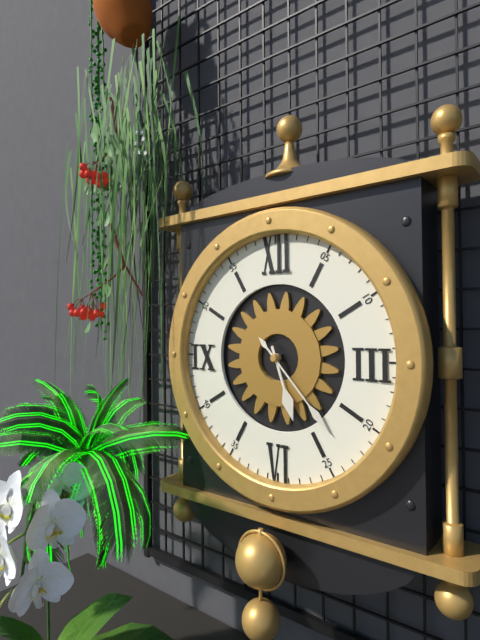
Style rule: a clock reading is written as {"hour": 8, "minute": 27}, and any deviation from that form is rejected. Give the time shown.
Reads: {"hour": 5, "minute": 23}
